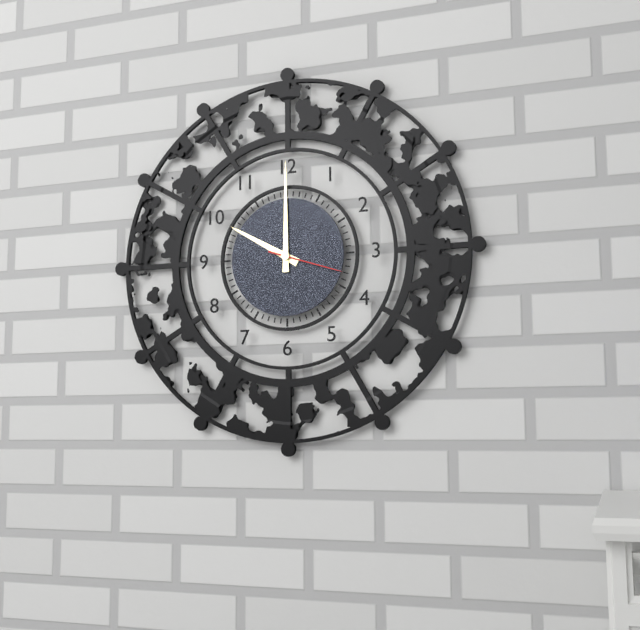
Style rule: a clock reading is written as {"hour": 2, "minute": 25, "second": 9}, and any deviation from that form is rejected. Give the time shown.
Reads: {"hour": 10, "minute": 0, "second": 18}
